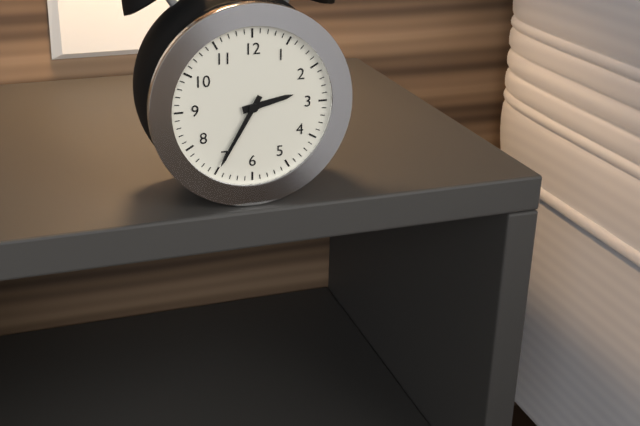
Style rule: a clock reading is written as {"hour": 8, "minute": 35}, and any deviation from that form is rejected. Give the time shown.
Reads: {"hour": 2, "minute": 35}
